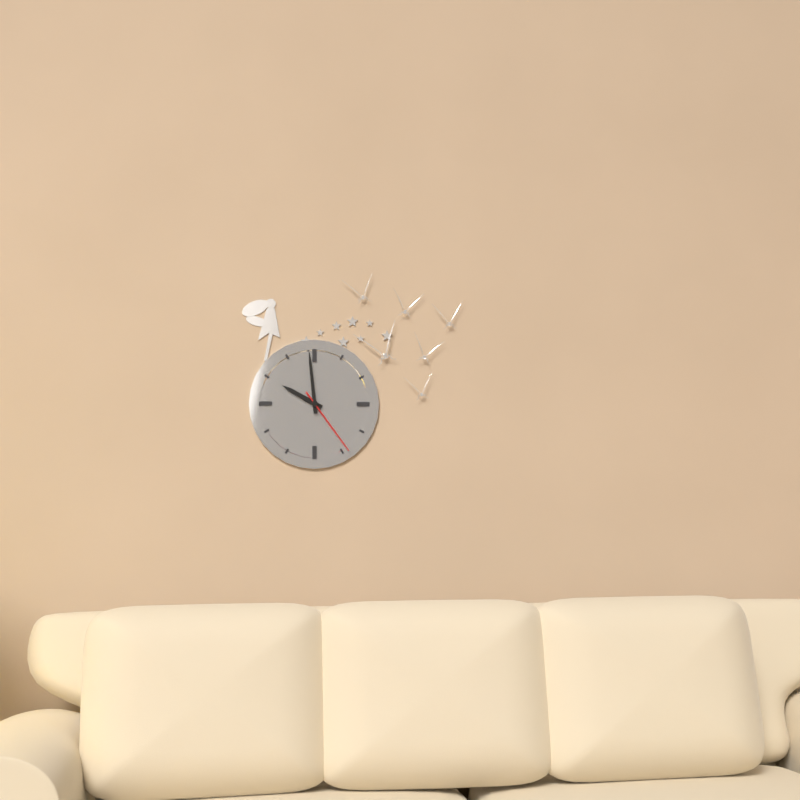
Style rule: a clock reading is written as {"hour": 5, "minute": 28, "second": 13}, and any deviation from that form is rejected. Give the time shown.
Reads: {"hour": 9, "minute": 59, "second": 24}
